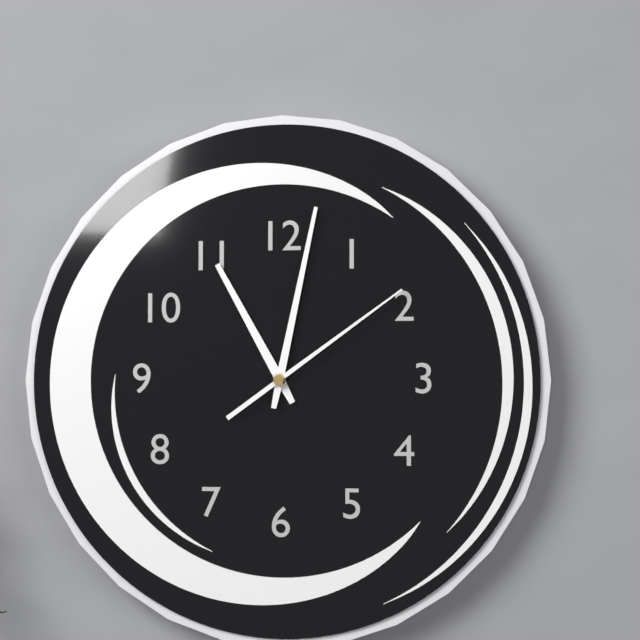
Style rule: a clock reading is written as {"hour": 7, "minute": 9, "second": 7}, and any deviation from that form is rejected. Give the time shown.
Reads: {"hour": 11, "minute": 2, "second": 9}
